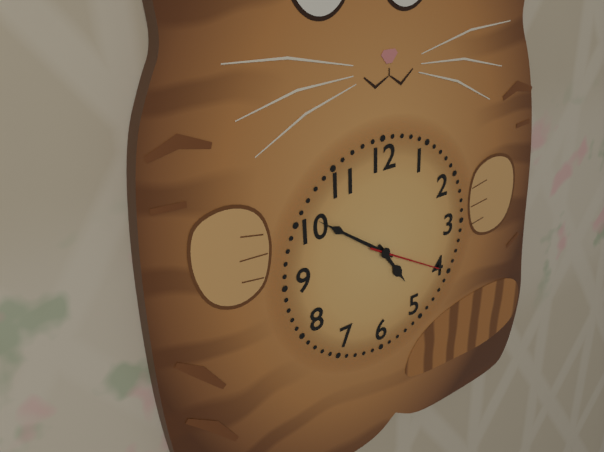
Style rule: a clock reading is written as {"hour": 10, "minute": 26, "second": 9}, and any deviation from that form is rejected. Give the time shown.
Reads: {"hour": 4, "minute": 51, "second": 20}
